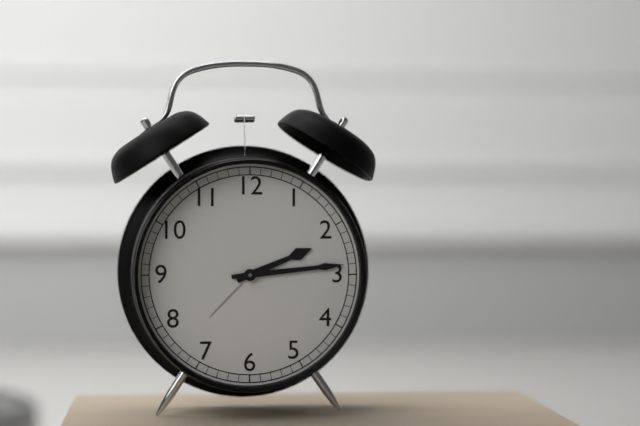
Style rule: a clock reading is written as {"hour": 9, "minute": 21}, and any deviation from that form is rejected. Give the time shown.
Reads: {"hour": 2, "minute": 14}
